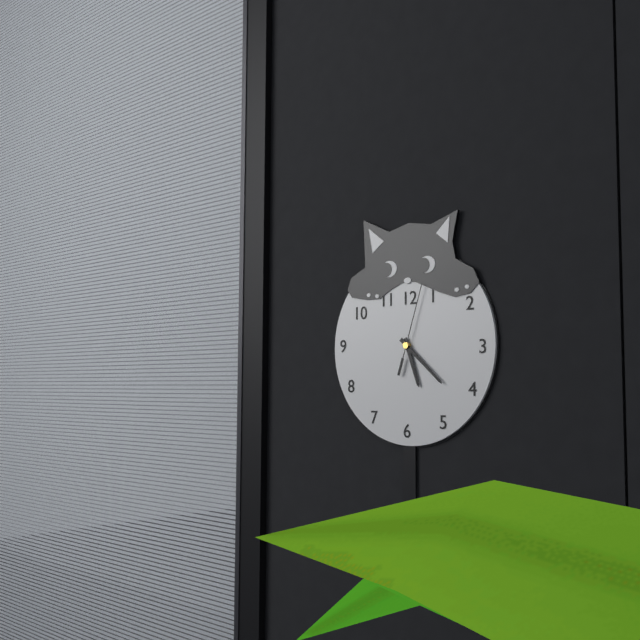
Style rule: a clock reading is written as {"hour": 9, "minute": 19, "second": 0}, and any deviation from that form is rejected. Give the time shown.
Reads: {"hour": 5, "minute": 22, "second": 3}
